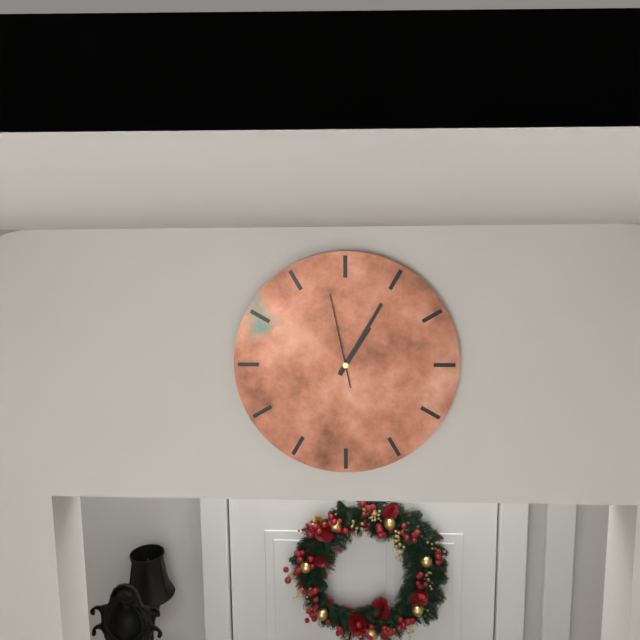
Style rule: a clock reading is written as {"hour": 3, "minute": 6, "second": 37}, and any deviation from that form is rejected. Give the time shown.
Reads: {"hour": 1, "minute": 5, "second": 58}
